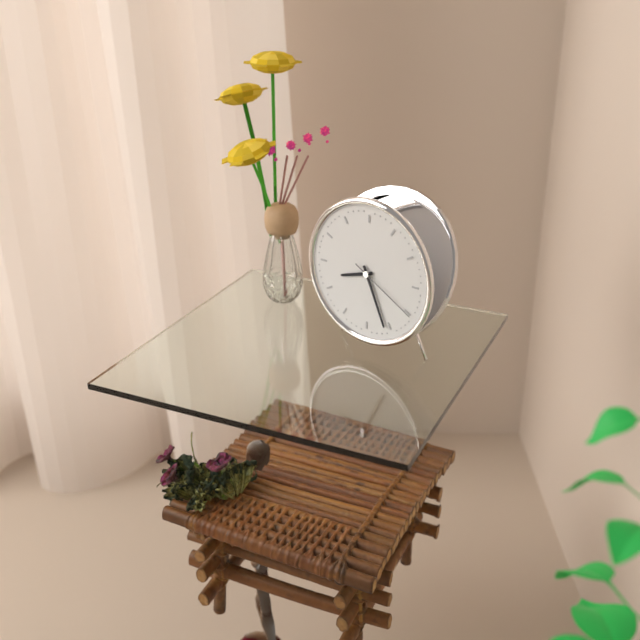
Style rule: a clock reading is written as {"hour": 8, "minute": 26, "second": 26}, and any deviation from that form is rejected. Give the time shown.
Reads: {"hour": 8, "minute": 26, "second": 20}
